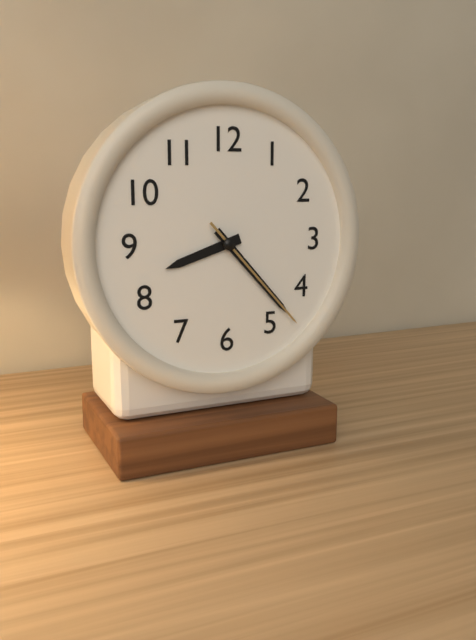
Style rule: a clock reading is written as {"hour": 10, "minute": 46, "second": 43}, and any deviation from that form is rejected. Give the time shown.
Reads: {"hour": 8, "minute": 23, "second": 23}
